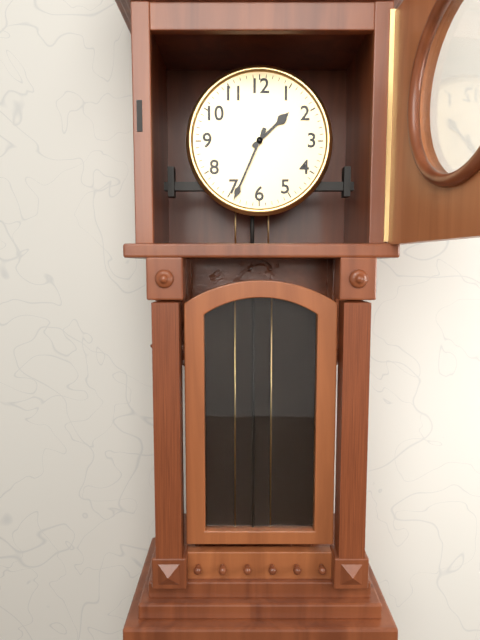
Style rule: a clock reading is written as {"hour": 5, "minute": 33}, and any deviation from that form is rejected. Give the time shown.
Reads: {"hour": 1, "minute": 34}
